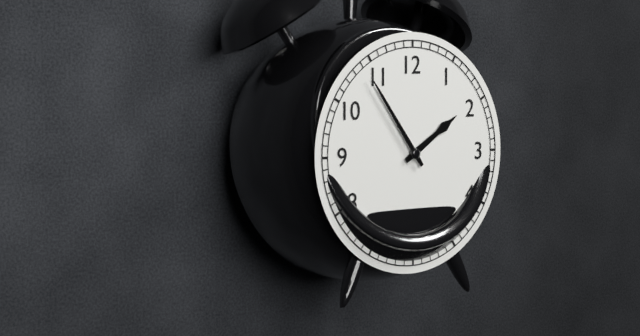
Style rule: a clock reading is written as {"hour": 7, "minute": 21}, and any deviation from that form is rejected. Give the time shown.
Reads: {"hour": 1, "minute": 54}
